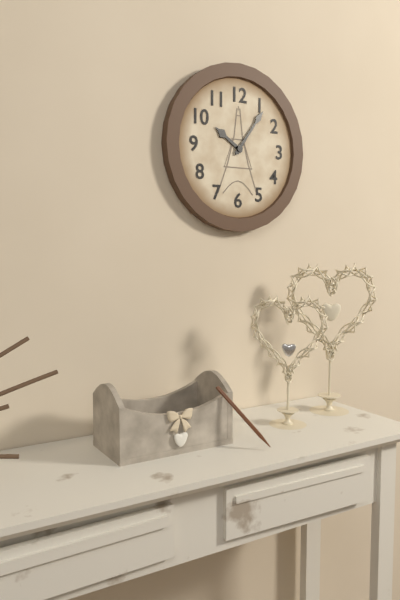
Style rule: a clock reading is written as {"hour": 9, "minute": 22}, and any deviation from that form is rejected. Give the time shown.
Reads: {"hour": 10, "minute": 6}
